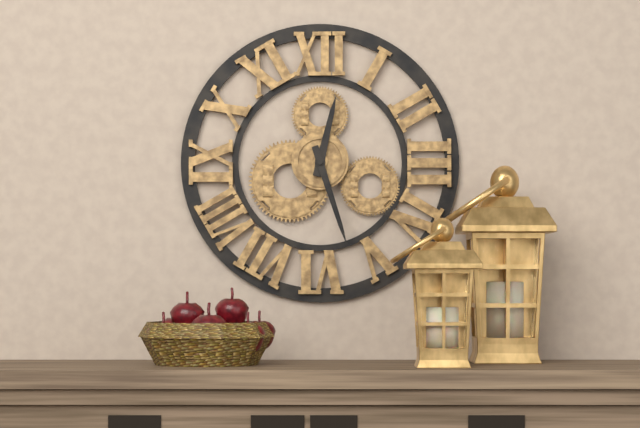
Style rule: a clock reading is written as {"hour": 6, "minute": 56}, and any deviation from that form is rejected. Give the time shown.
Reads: {"hour": 12, "minute": 27}
